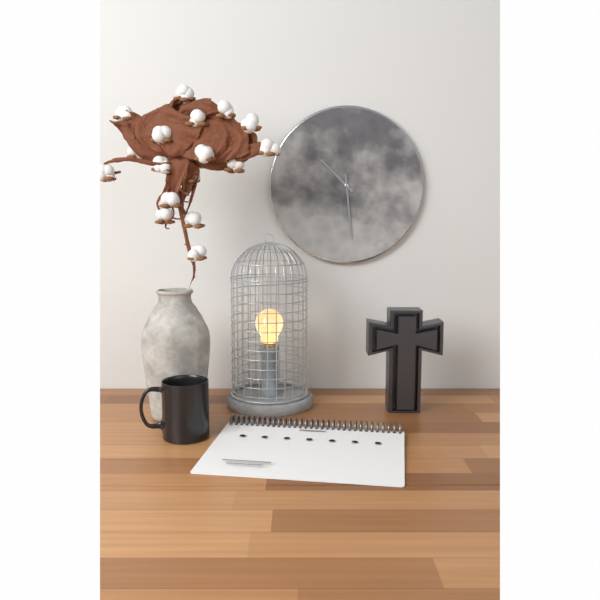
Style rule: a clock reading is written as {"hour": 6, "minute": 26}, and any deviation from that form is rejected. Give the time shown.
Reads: {"hour": 10, "minute": 29}
